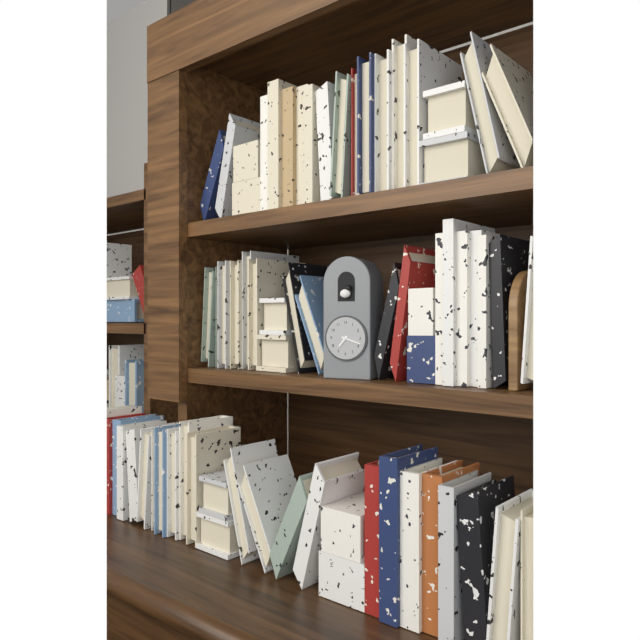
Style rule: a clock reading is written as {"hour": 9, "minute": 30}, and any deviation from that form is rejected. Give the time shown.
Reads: {"hour": 7, "minute": 18}
